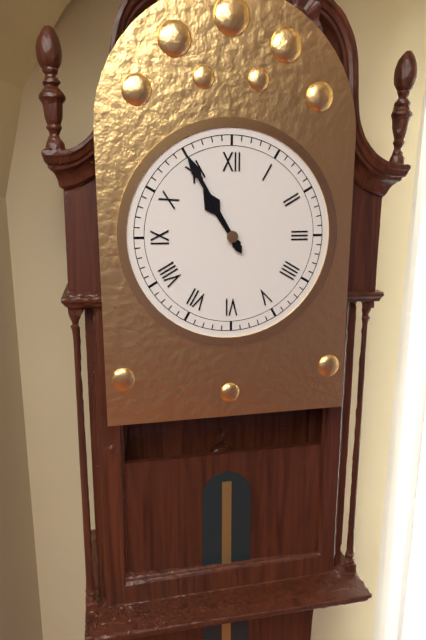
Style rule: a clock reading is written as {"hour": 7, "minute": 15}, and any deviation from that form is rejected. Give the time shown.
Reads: {"hour": 10, "minute": 55}
